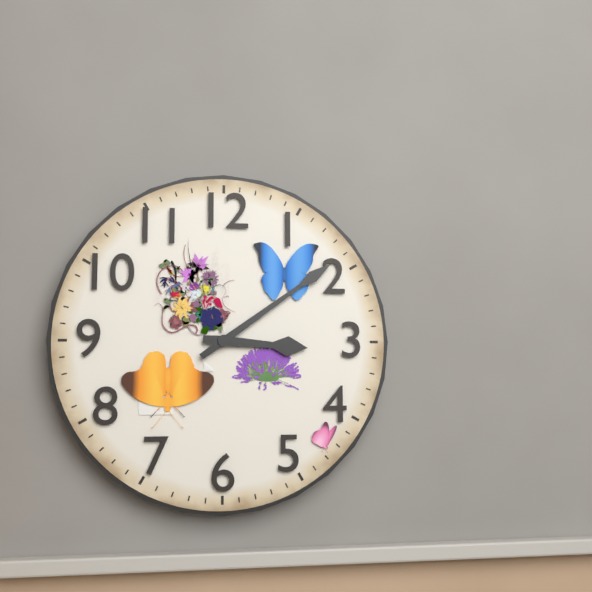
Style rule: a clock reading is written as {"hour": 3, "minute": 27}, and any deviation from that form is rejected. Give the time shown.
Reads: {"hour": 3, "minute": 9}
